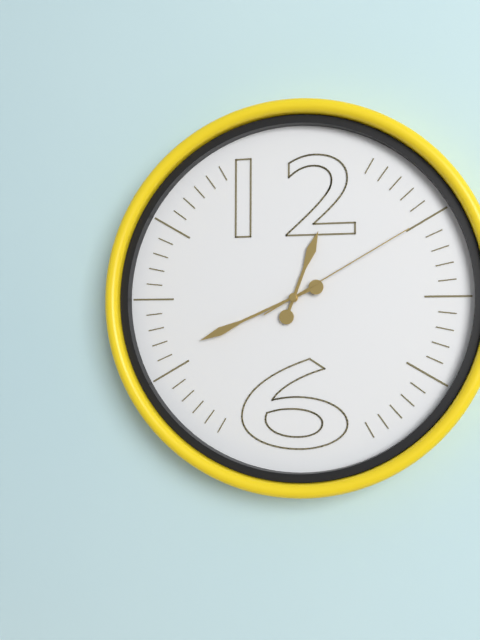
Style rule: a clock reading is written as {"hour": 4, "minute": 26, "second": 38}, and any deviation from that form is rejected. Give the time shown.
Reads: {"hour": 12, "minute": 41, "second": 10}
